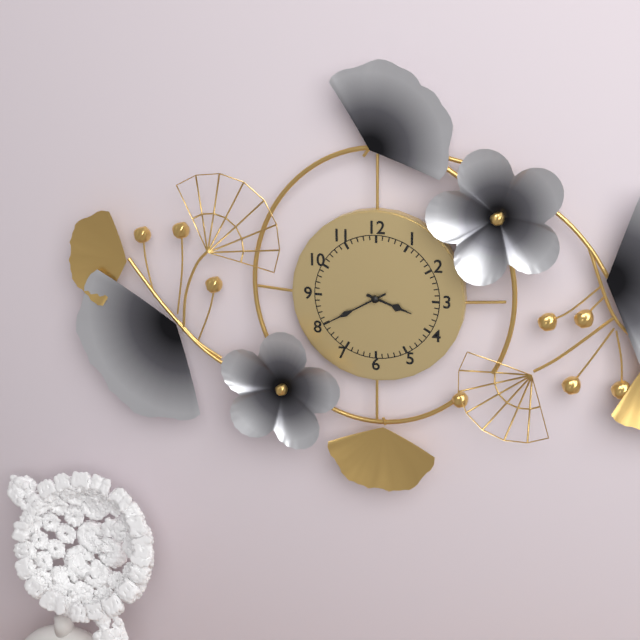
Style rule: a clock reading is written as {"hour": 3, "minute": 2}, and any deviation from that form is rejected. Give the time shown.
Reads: {"hour": 3, "minute": 40}
